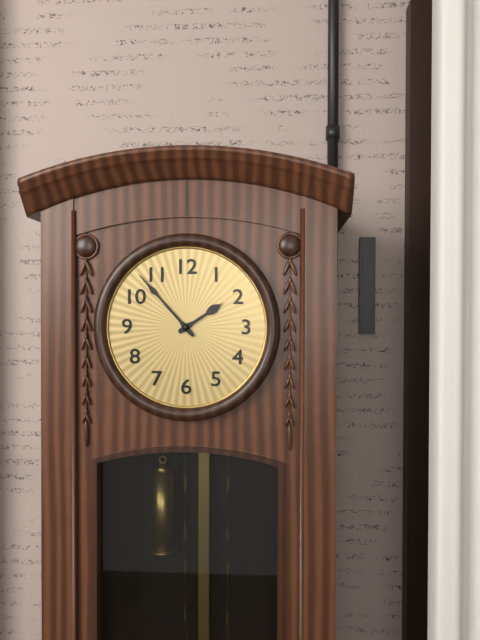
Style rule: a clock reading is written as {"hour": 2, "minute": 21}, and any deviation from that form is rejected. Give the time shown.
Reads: {"hour": 1, "minute": 53}
